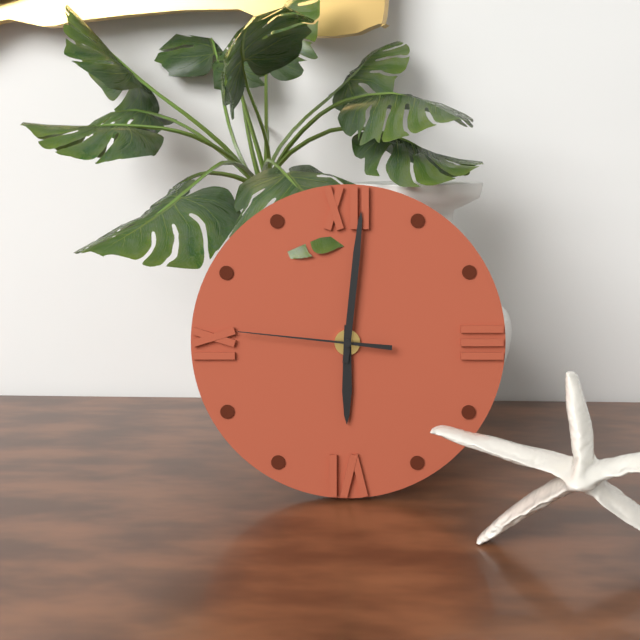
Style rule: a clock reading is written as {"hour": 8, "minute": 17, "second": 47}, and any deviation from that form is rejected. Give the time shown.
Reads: {"hour": 6, "minute": 1, "second": 46}
